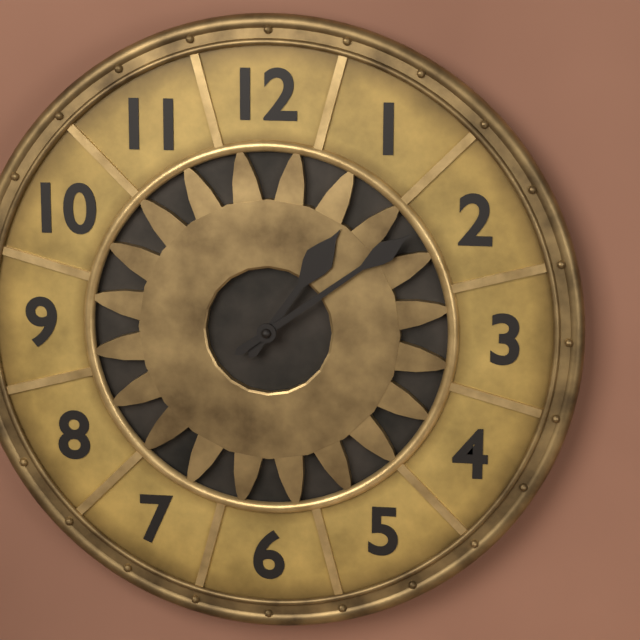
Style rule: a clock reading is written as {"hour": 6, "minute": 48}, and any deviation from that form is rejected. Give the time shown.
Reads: {"hour": 1, "minute": 9}
